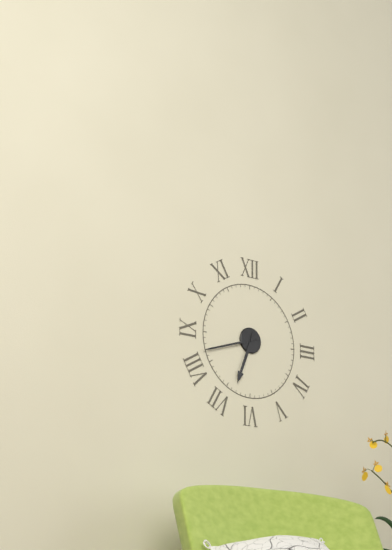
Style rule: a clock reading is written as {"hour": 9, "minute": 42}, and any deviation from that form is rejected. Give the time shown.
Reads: {"hour": 6, "minute": 42}
